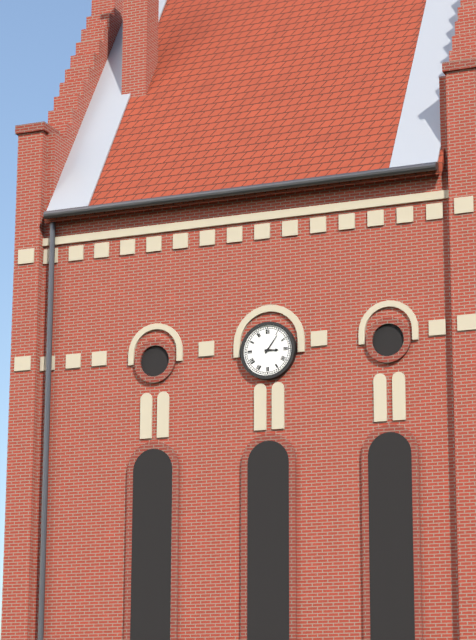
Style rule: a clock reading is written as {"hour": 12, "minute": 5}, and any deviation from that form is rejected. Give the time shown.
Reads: {"hour": 3, "minute": 6}
